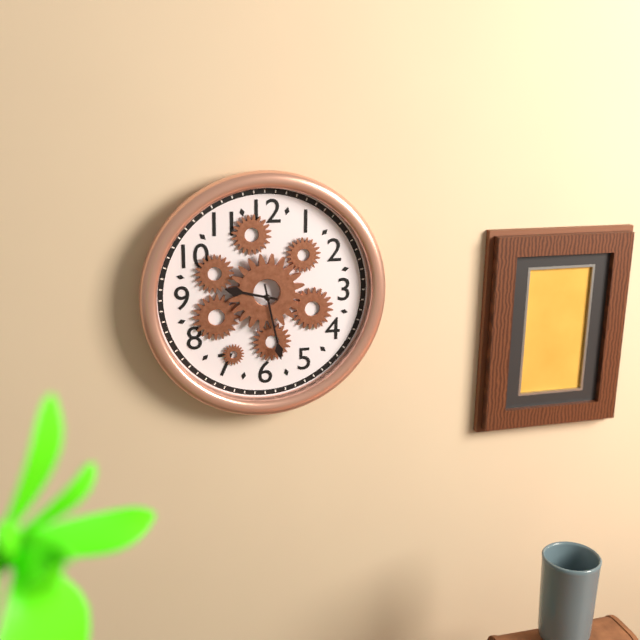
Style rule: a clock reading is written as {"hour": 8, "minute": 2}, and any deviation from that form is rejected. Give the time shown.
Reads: {"hour": 9, "minute": 28}
